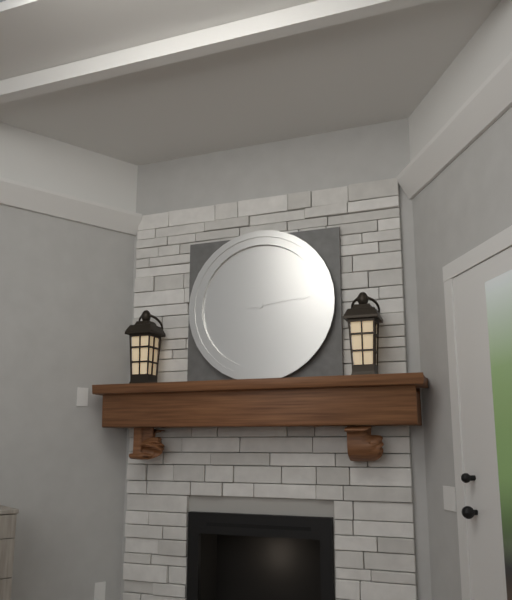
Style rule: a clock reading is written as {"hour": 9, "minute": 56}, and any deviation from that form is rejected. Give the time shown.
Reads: {"hour": 4, "minute": 14}
